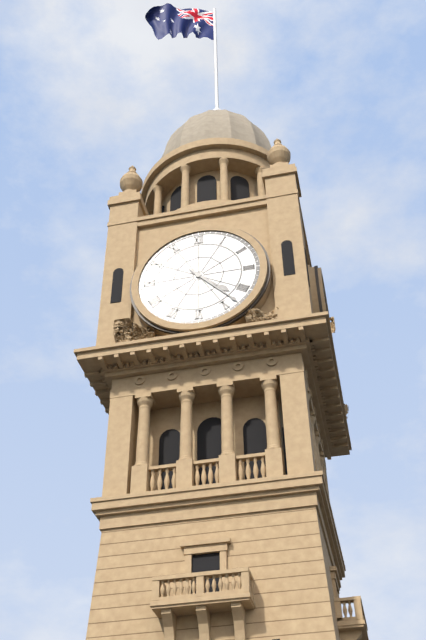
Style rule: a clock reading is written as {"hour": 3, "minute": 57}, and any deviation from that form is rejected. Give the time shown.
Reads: {"hour": 4, "minute": 23}
